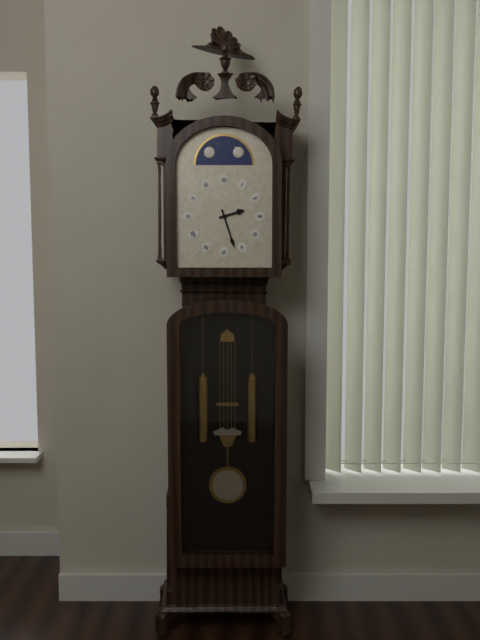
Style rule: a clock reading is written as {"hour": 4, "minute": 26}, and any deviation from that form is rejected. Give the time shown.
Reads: {"hour": 2, "minute": 27}
